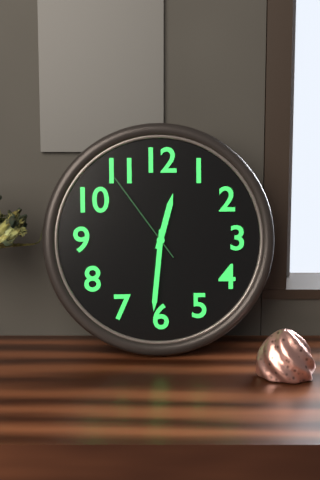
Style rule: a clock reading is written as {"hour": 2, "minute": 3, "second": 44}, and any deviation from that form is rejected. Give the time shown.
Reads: {"hour": 12, "minute": 31, "second": 54}
